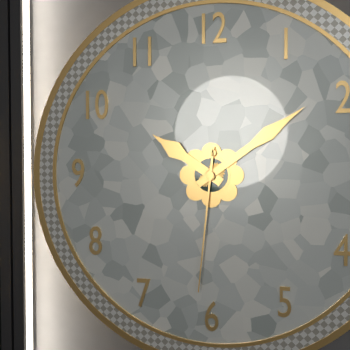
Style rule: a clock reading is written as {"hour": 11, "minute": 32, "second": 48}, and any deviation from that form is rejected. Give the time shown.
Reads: {"hour": 10, "minute": 9, "second": 31}
